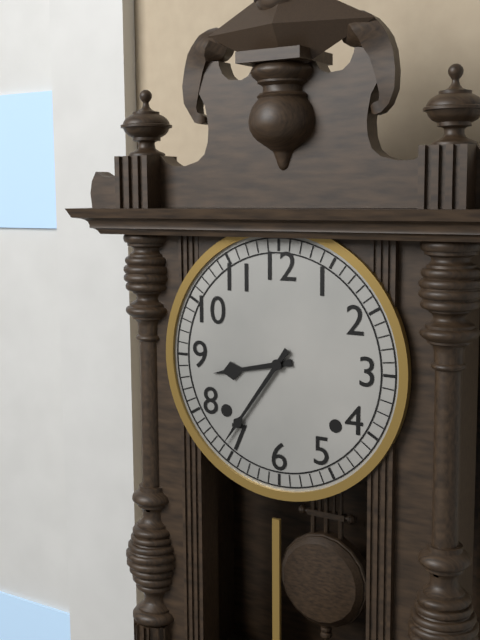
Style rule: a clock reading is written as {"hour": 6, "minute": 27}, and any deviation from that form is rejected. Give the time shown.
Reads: {"hour": 8, "minute": 36}
